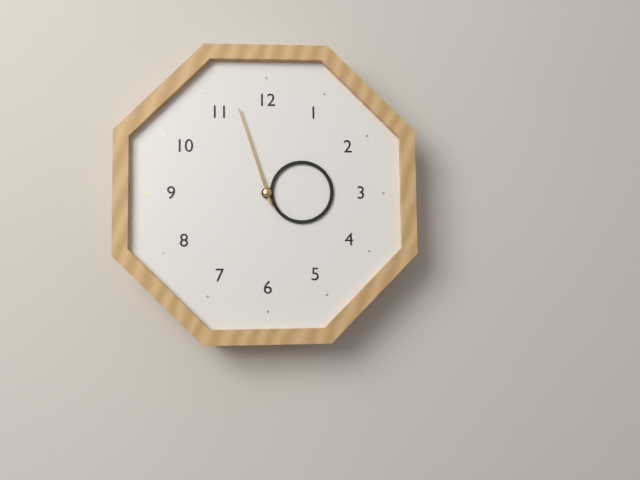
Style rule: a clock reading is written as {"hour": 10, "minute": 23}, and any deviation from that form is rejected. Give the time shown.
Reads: {"hour": 2, "minute": 57}
